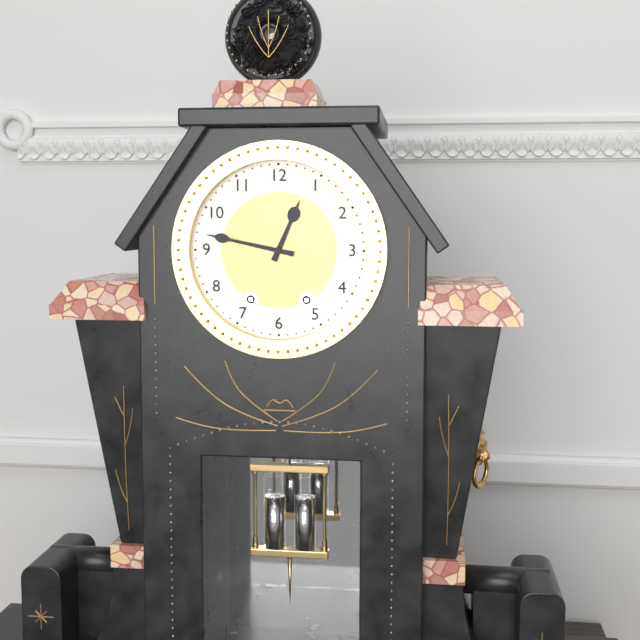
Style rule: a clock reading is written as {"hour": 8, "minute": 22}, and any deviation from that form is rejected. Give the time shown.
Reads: {"hour": 12, "minute": 47}
